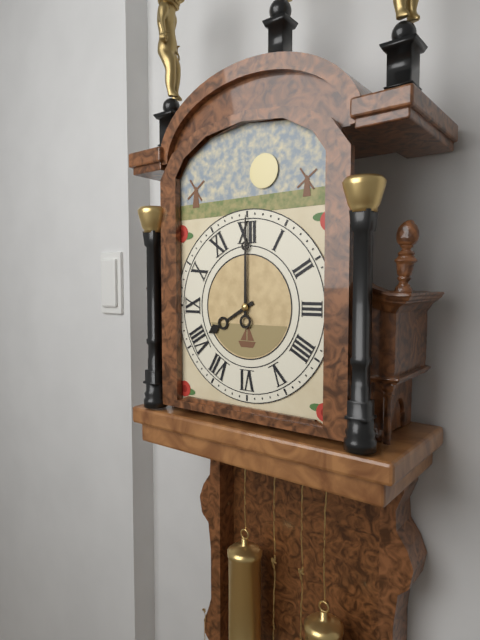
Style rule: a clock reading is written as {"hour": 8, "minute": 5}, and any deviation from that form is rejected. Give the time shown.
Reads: {"hour": 8, "minute": 0}
